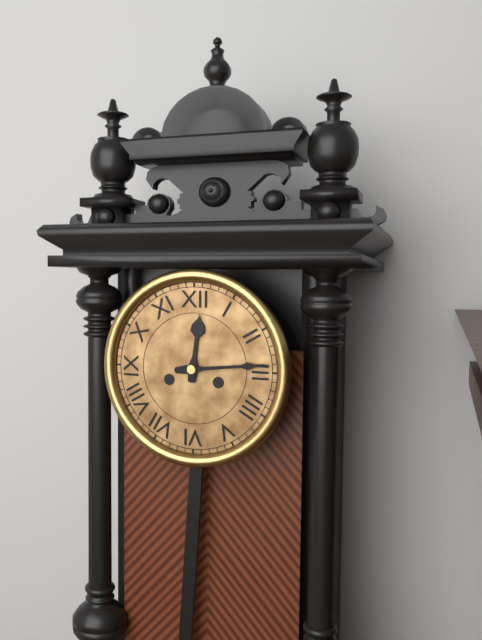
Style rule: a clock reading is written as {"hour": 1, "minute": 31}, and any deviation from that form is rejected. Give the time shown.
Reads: {"hour": 12, "minute": 14}
